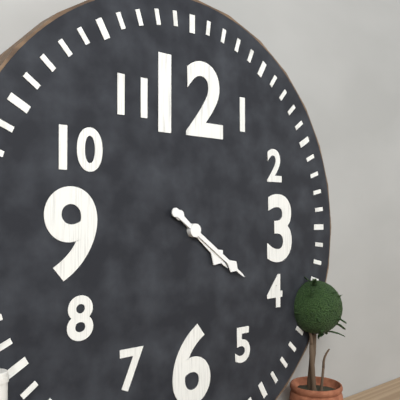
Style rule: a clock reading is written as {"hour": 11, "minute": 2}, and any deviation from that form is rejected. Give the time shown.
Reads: {"hour": 4, "minute": 21}
